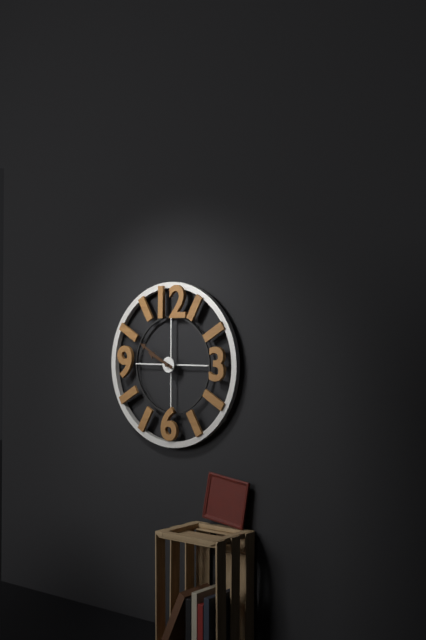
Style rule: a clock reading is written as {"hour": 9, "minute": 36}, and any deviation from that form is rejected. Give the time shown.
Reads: {"hour": 9, "minute": 50}
